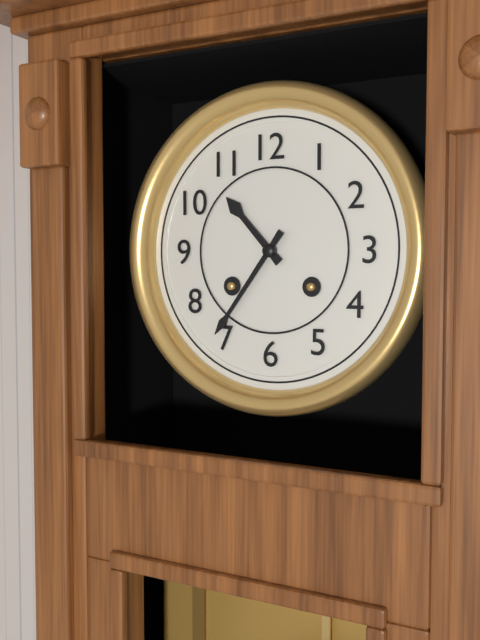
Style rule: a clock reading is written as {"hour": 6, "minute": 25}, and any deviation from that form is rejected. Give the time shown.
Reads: {"hour": 10, "minute": 36}
